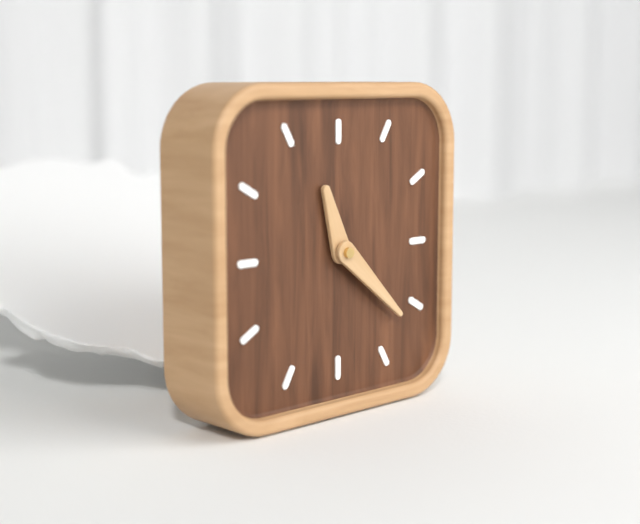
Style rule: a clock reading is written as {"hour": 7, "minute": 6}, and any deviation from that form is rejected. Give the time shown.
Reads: {"hour": 11, "minute": 22}
